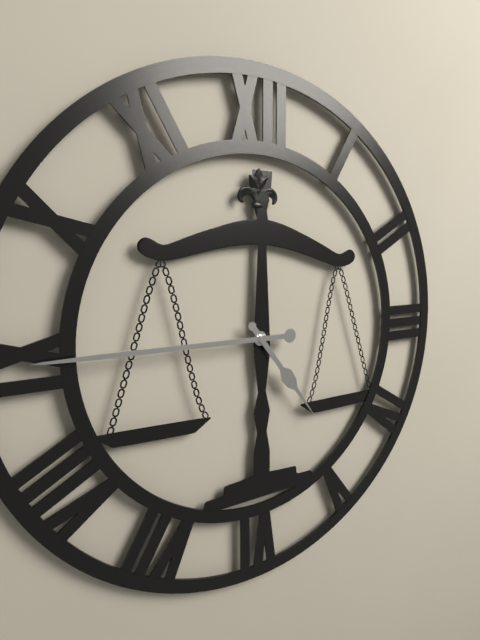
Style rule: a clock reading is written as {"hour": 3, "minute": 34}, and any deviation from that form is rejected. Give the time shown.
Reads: {"hour": 4, "minute": 45}
